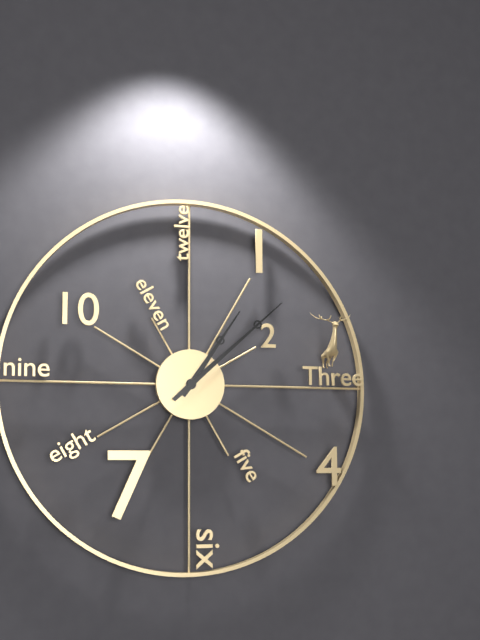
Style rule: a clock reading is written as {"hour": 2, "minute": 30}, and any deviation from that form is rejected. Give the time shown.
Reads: {"hour": 1, "minute": 8}
